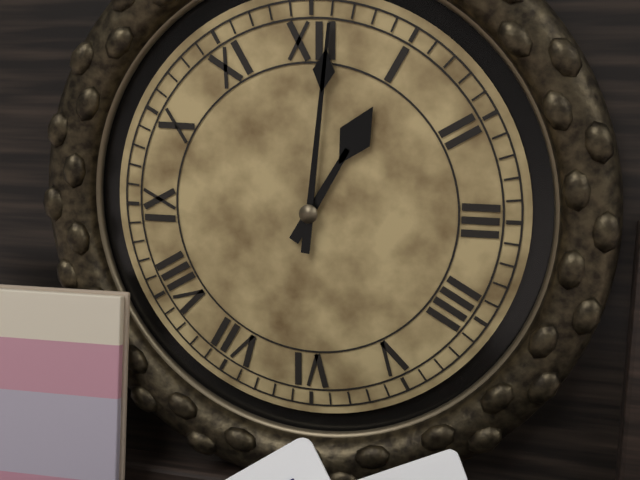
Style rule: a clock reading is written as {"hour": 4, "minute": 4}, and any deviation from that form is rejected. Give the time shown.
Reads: {"hour": 1, "minute": 1}
